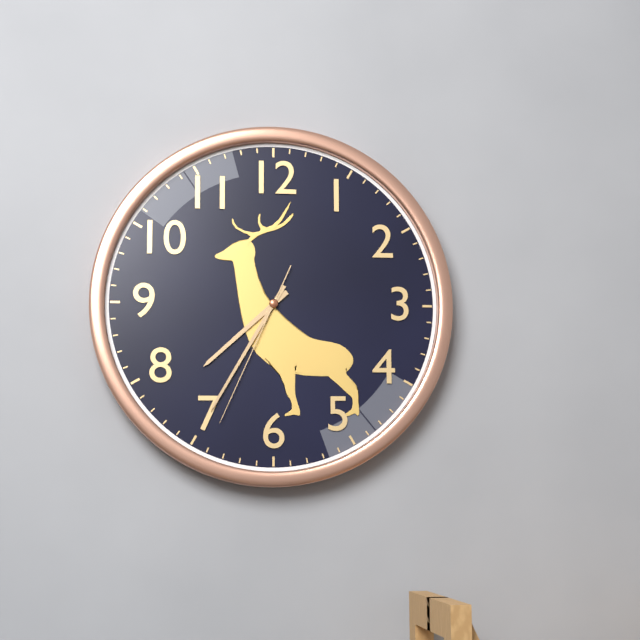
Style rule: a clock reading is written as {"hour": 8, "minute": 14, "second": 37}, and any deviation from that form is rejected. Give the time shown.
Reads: {"hour": 7, "minute": 35, "second": 34}
